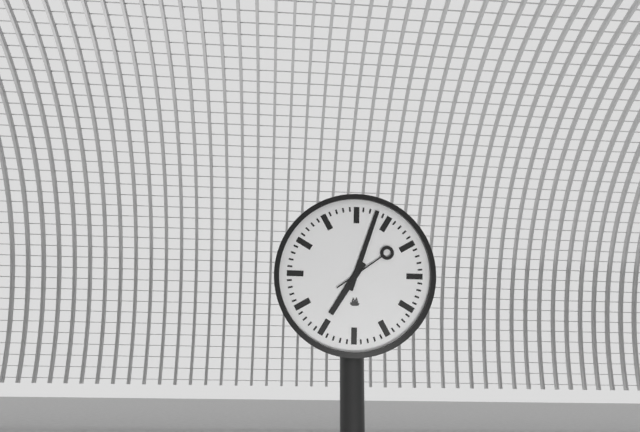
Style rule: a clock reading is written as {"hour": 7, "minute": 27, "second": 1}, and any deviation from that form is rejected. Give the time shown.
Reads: {"hour": 7, "minute": 3, "second": 9}
